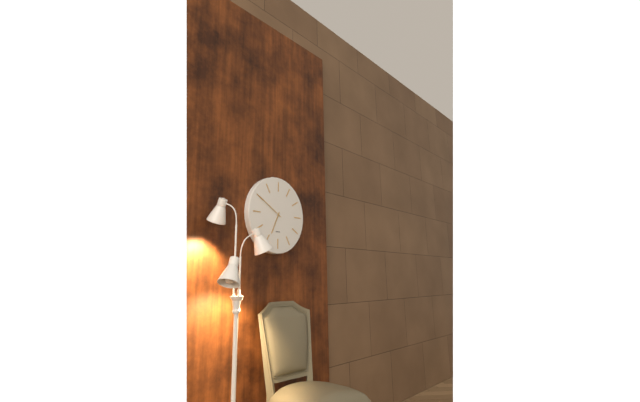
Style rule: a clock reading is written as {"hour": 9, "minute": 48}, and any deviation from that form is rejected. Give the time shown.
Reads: {"hour": 6, "minute": 50}
